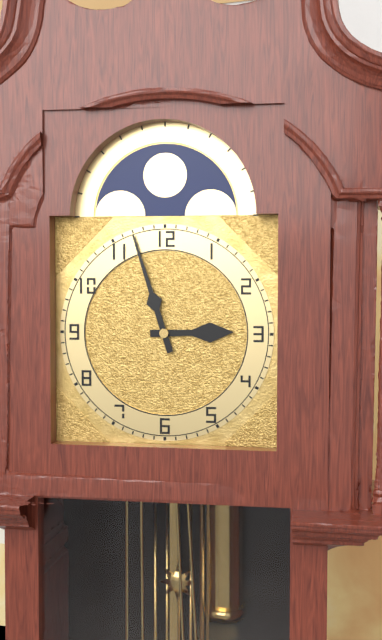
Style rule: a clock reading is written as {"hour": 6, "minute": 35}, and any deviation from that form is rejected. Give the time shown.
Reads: {"hour": 2, "minute": 57}
